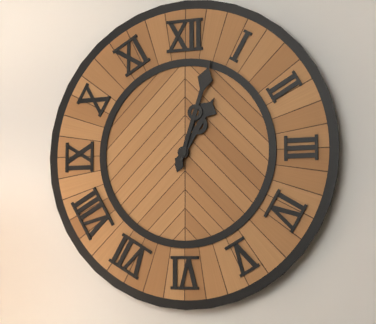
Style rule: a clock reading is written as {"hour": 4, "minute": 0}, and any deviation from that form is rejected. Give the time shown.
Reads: {"hour": 1, "minute": 3}
